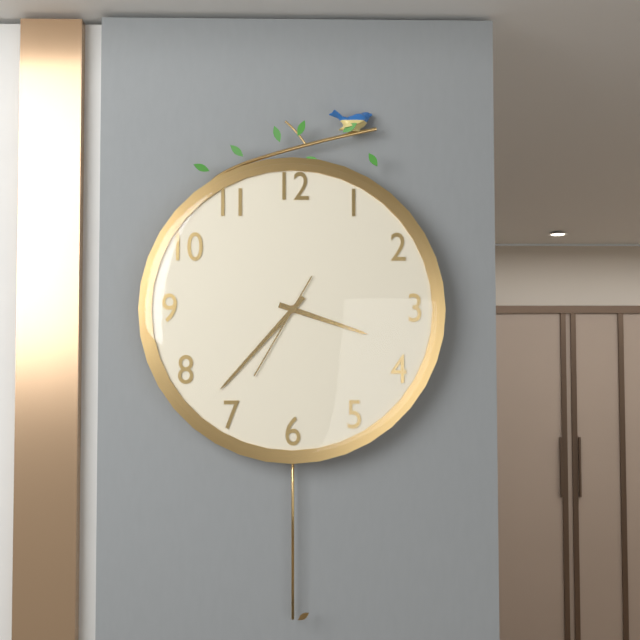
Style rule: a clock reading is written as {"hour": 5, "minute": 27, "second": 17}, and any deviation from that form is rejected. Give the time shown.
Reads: {"hour": 3, "minute": 37, "second": 35}
